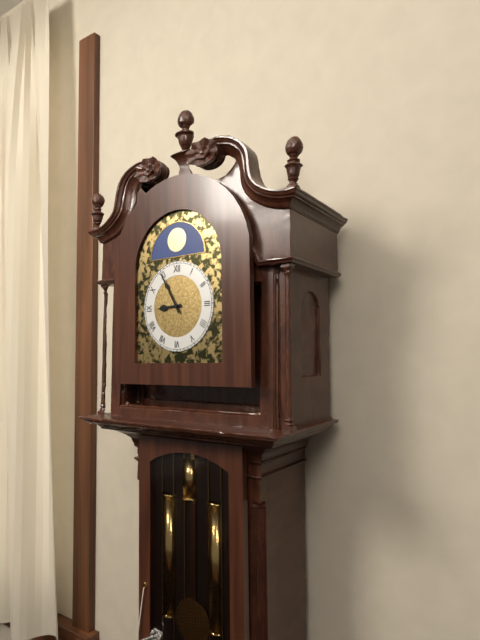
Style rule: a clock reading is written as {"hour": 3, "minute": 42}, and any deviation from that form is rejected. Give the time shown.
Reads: {"hour": 8, "minute": 55}
